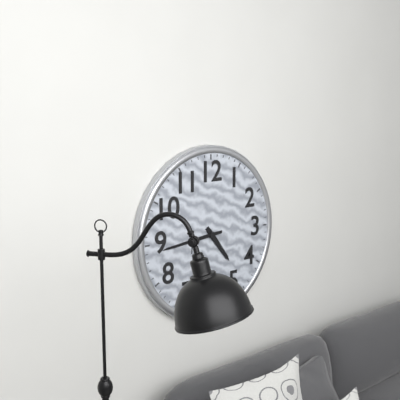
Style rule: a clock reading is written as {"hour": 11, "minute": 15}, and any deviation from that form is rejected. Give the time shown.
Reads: {"hour": 4, "minute": 44}
